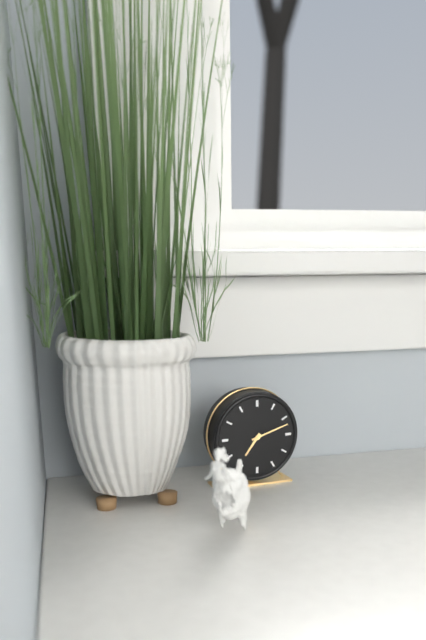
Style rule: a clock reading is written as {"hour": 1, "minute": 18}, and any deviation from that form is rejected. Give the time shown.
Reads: {"hour": 7, "minute": 12}
